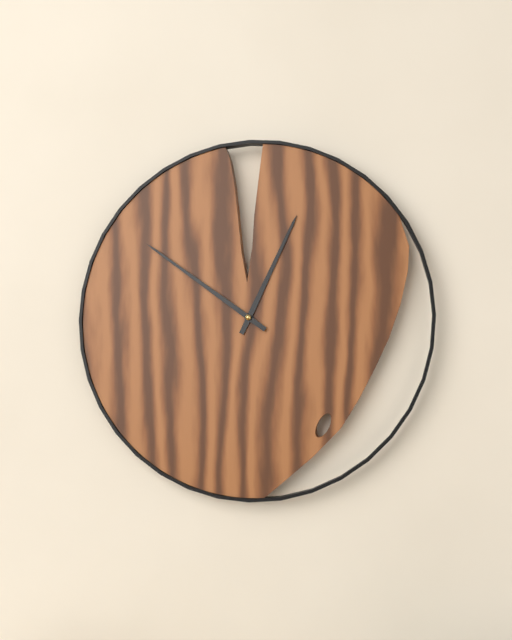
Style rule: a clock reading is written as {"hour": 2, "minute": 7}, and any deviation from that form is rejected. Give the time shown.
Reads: {"hour": 12, "minute": 51}
